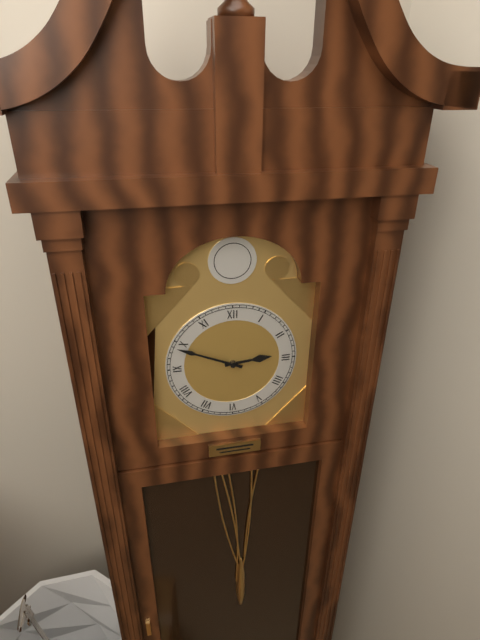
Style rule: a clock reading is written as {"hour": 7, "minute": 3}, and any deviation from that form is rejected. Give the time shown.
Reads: {"hour": 2, "minute": 49}
